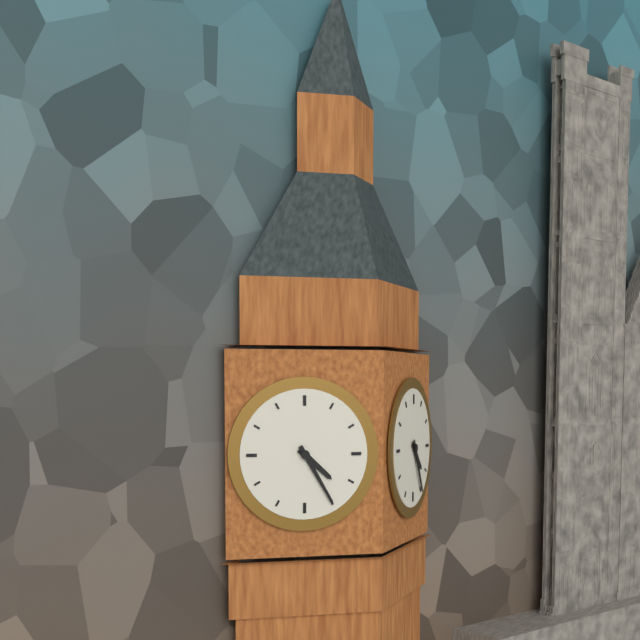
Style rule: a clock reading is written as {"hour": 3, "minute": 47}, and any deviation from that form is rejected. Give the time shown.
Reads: {"hour": 4, "minute": 25}
